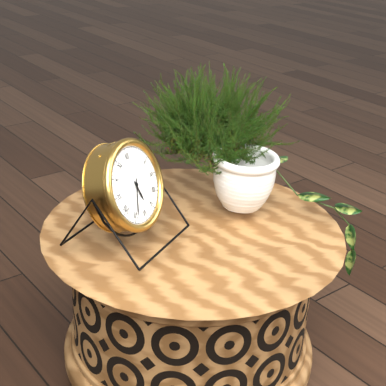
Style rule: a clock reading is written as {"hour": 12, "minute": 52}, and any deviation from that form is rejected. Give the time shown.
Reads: {"hour": 5, "minute": 34}
